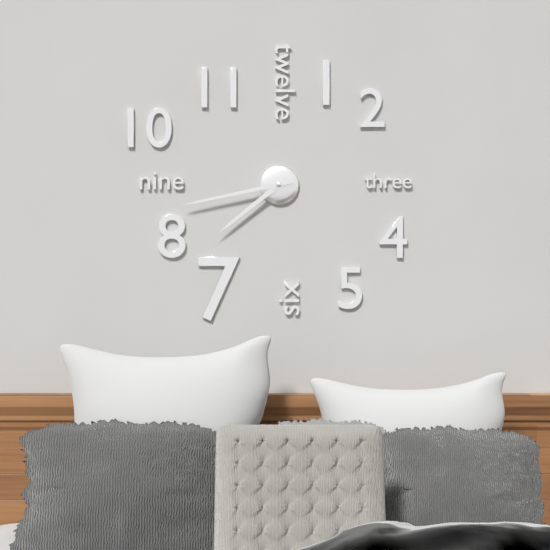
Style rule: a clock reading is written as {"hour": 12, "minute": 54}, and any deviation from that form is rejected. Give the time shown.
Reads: {"hour": 7, "minute": 43}
